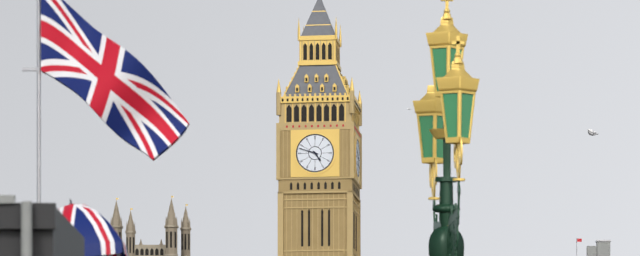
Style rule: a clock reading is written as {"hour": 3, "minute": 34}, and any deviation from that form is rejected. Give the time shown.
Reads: {"hour": 4, "minute": 48}
